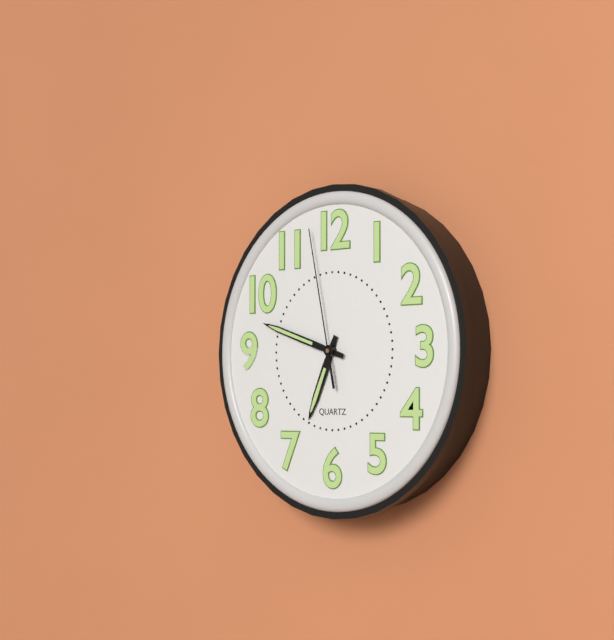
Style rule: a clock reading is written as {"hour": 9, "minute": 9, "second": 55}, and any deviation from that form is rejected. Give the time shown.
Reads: {"hour": 6, "minute": 48, "second": 58}
